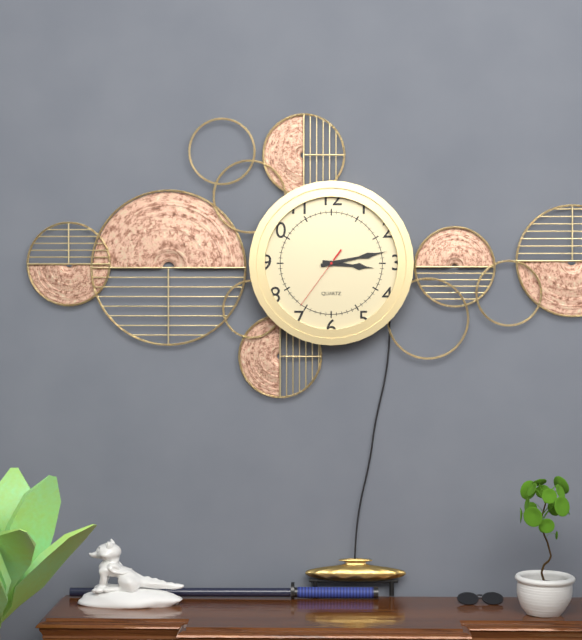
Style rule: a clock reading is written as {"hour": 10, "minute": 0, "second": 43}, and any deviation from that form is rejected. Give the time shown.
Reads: {"hour": 3, "minute": 13, "second": 36}
